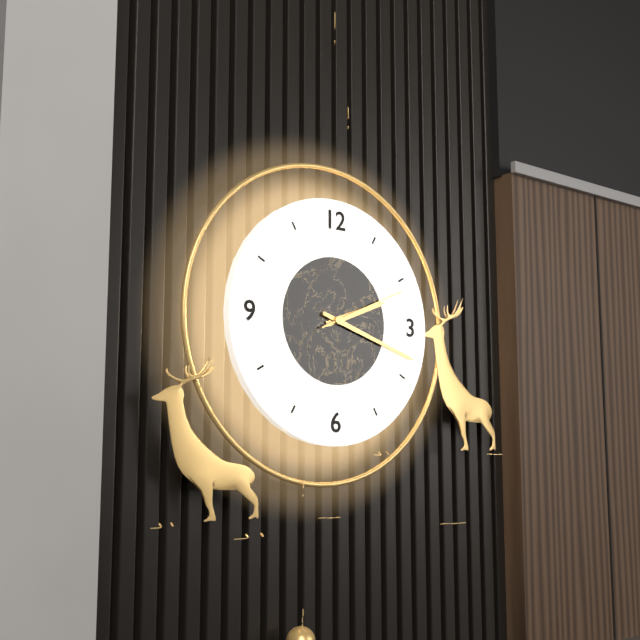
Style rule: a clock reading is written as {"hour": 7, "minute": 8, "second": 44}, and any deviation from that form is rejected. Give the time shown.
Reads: {"hour": 2, "minute": 18, "second": 11}
